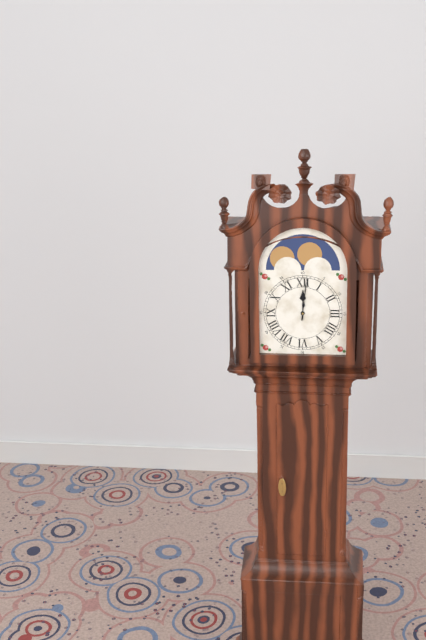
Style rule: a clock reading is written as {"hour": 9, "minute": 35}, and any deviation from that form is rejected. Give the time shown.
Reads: {"hour": 12, "minute": 1}
